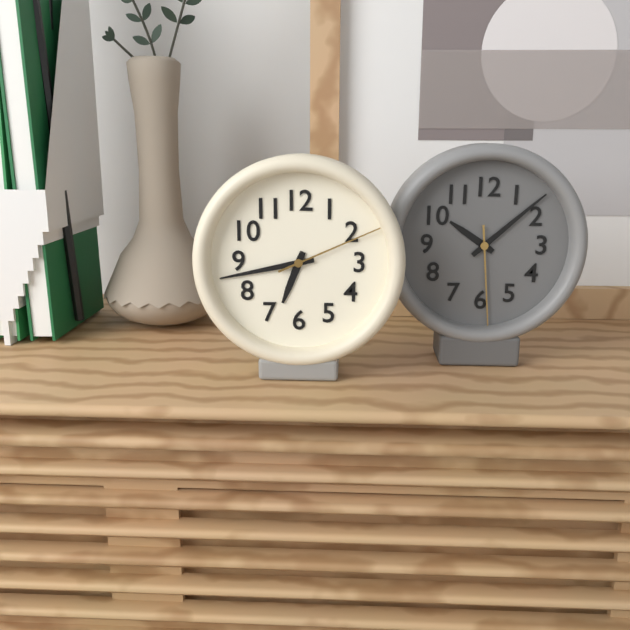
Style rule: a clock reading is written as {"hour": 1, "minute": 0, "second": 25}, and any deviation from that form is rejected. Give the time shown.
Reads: {"hour": 6, "minute": 43, "second": 11}
